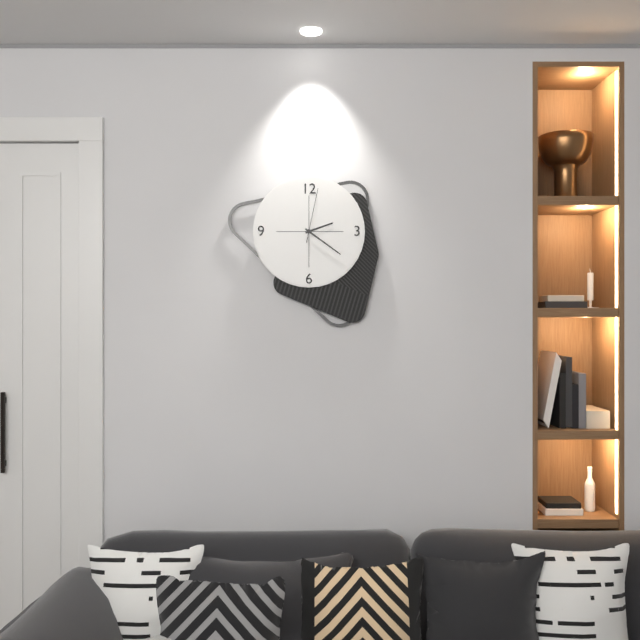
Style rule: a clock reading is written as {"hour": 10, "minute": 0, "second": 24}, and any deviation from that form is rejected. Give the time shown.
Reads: {"hour": 2, "minute": 21, "second": 2}
